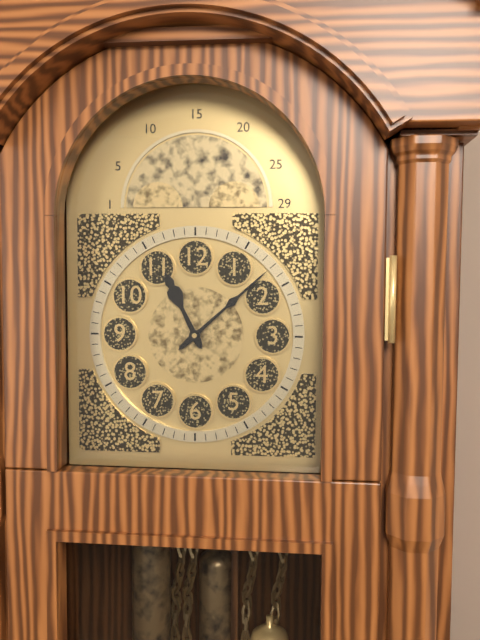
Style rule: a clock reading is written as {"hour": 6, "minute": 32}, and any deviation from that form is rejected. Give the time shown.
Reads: {"hour": 11, "minute": 8}
